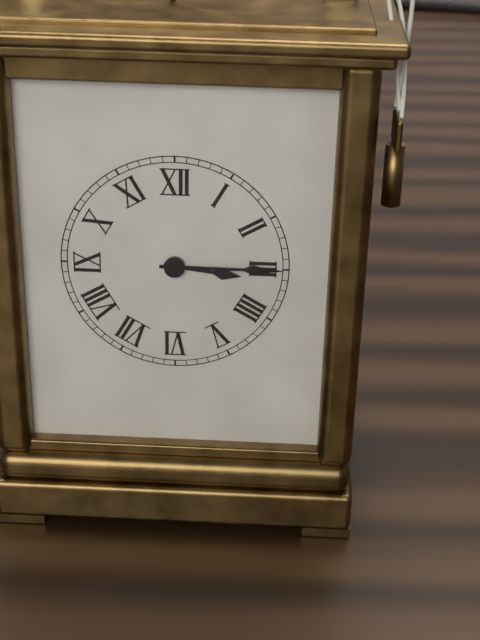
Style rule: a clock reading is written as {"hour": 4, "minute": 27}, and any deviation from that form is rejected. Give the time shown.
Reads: {"hour": 3, "minute": 15}
